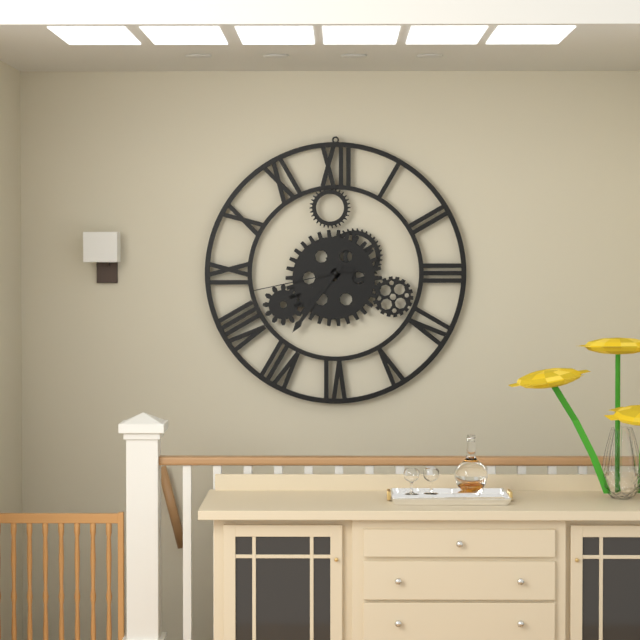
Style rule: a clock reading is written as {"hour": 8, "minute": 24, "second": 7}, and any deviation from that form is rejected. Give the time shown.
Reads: {"hour": 7, "minute": 36, "second": 43}
